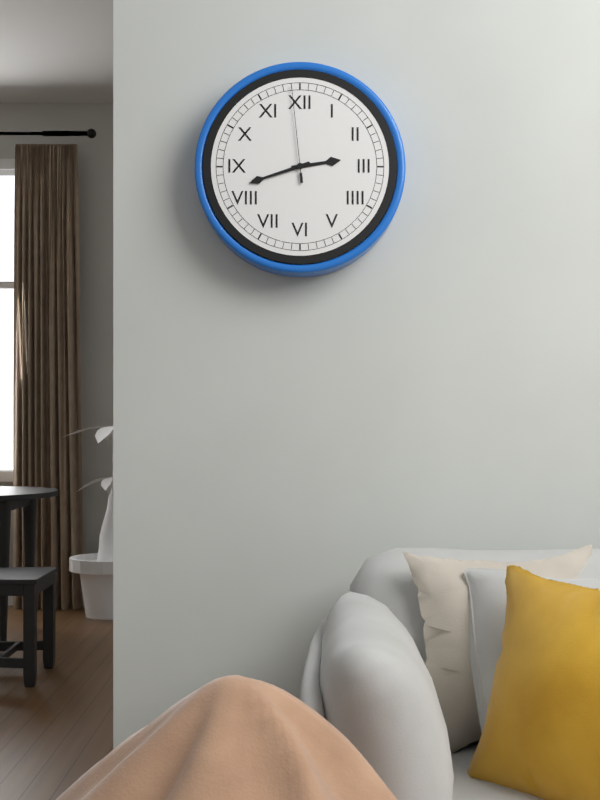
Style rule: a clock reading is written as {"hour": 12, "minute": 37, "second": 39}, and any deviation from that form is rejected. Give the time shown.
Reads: {"hour": 2, "minute": 42, "second": 59}
